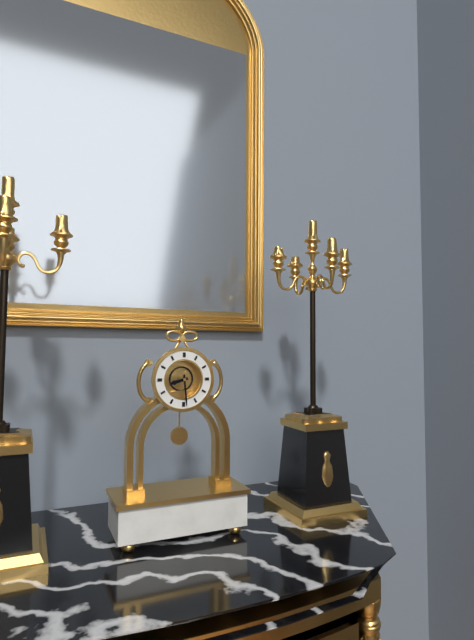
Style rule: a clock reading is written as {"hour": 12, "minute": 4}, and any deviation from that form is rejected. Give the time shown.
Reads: {"hour": 8, "minute": 29}
